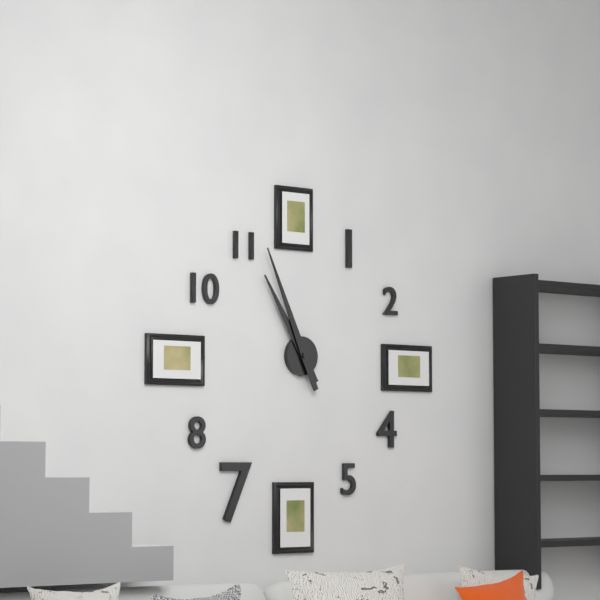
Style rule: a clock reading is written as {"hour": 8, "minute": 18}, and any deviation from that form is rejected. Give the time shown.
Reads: {"hour": 10, "minute": 56}
